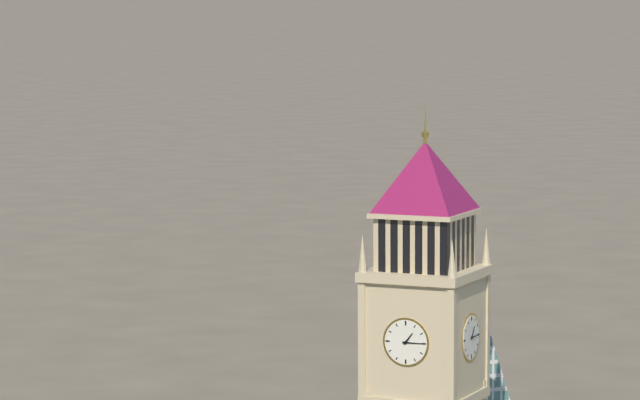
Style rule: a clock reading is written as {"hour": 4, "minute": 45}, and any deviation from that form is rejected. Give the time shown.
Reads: {"hour": 1, "minute": 15}
